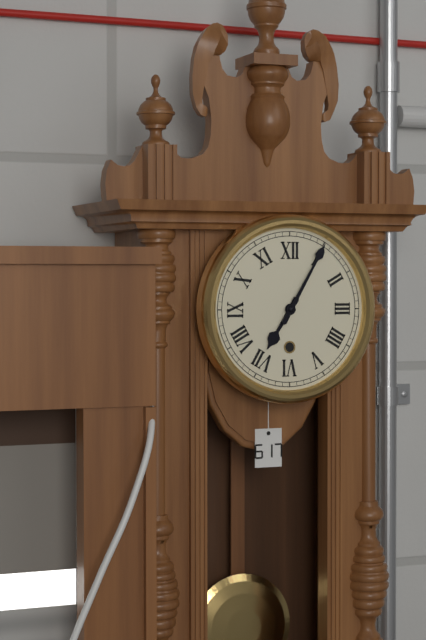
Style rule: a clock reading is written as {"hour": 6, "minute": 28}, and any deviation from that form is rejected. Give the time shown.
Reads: {"hour": 7, "minute": 5}
